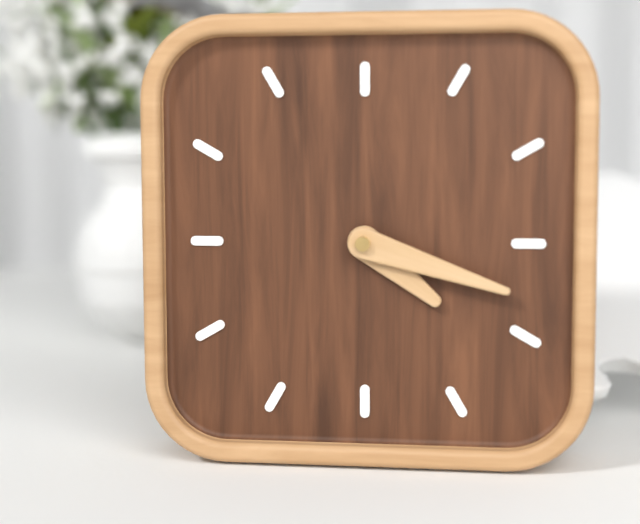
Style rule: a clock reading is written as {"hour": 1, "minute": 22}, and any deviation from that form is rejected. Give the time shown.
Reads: {"hour": 4, "minute": 18}
